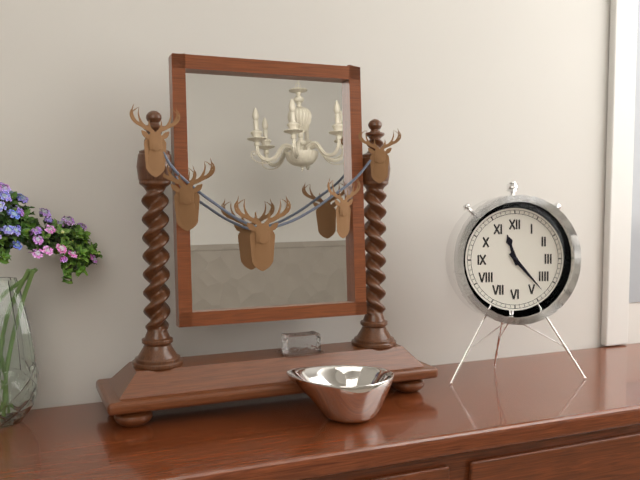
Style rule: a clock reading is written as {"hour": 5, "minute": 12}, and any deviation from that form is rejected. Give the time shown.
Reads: {"hour": 11, "minute": 23}
